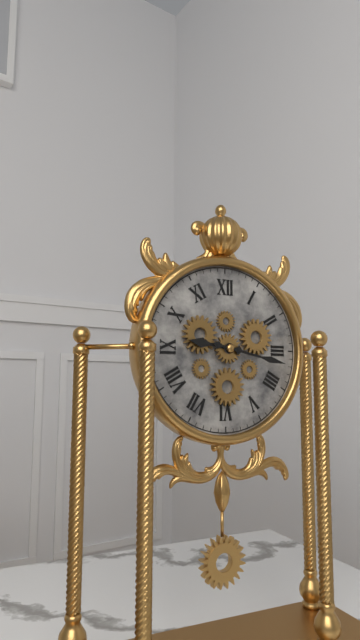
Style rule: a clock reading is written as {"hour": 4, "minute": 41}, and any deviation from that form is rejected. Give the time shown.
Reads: {"hour": 9, "minute": 17}
